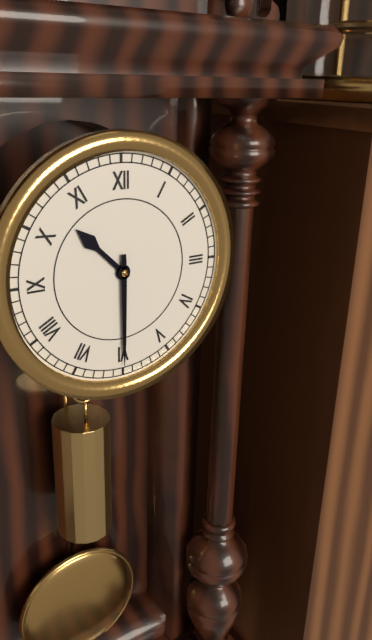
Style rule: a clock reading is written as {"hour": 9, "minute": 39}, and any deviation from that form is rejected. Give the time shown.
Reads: {"hour": 10, "minute": 30}
